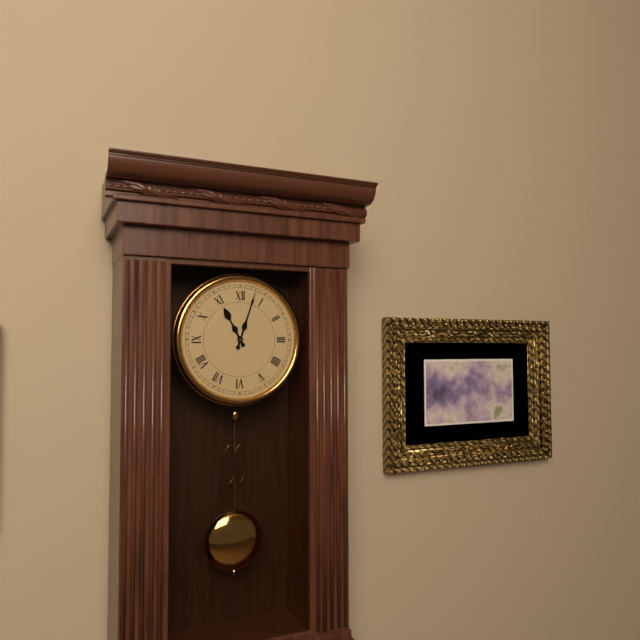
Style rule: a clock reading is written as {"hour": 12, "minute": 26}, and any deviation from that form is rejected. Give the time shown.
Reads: {"hour": 11, "minute": 3}
